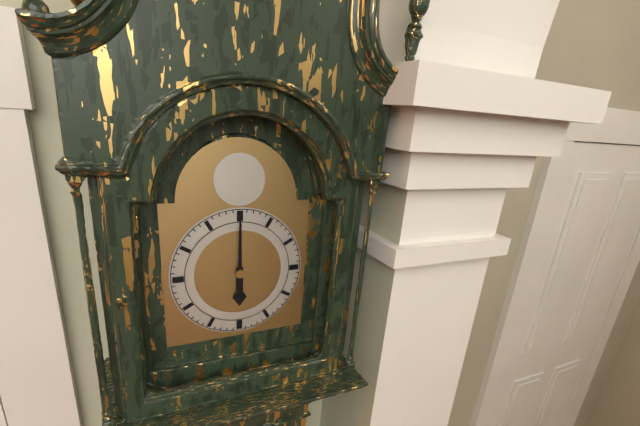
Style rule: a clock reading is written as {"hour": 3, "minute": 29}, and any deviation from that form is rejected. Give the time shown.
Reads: {"hour": 6, "minute": 0}
